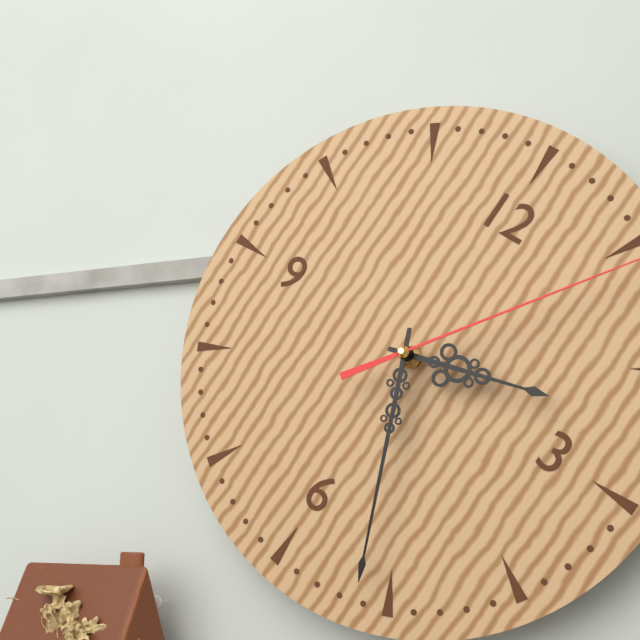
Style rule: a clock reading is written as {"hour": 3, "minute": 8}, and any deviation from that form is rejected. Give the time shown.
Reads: {"hour": 2, "minute": 26}
